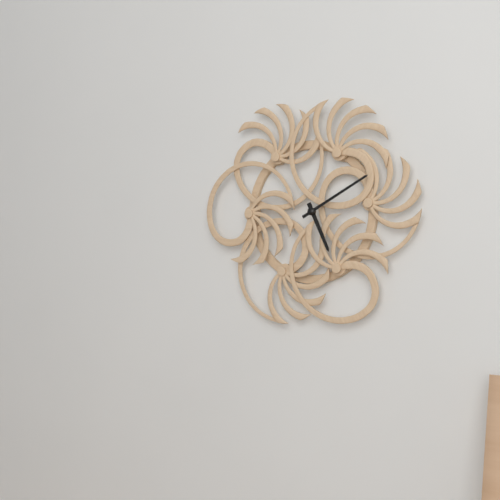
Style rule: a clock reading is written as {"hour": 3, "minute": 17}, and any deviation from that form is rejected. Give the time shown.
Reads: {"hour": 5, "minute": 10}
